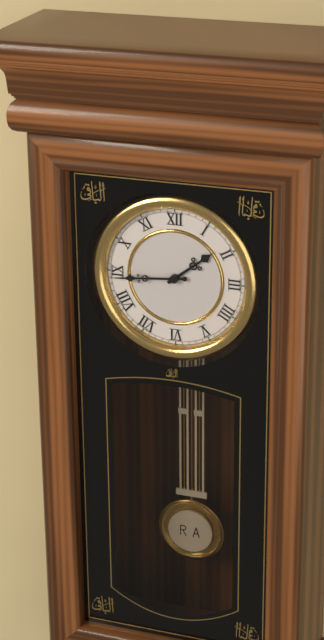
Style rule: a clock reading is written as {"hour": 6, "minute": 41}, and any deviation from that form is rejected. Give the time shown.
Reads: {"hour": 1, "minute": 44}
